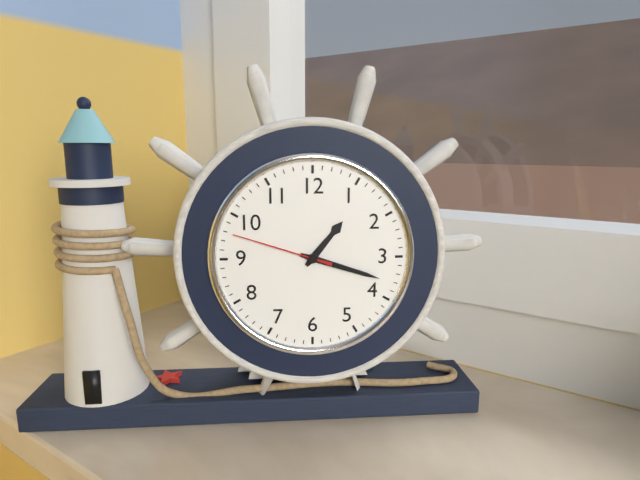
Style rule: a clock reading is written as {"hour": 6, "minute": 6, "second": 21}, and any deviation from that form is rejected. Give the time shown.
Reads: {"hour": 1, "minute": 18, "second": 48}
